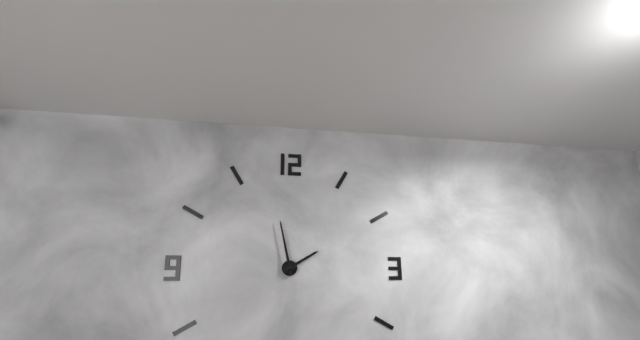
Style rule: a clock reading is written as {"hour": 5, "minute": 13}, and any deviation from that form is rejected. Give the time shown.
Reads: {"hour": 1, "minute": 58}
